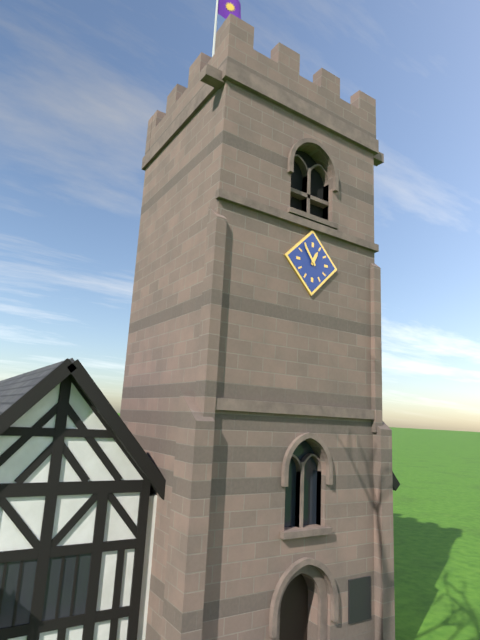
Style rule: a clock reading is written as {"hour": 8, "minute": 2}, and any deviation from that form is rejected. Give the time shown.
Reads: {"hour": 12, "minute": 54}
